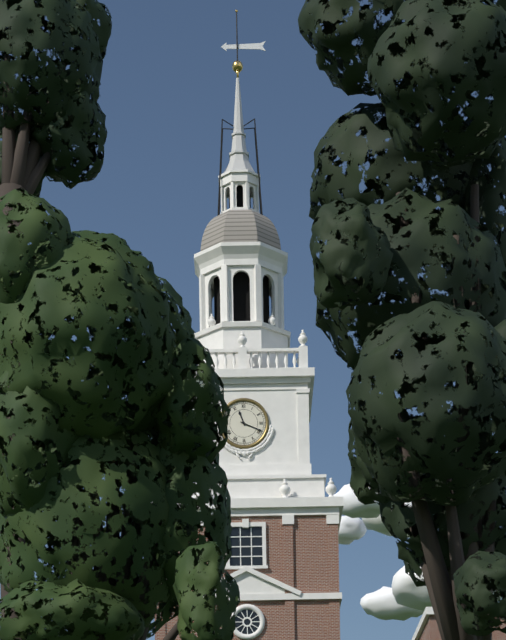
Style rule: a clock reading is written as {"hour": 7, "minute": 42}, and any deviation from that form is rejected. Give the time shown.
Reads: {"hour": 11, "minute": 19}
